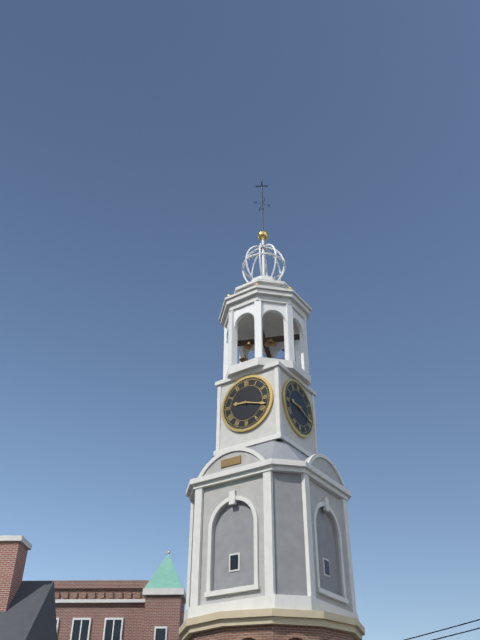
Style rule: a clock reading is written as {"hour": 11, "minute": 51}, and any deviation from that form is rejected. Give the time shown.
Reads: {"hour": 9, "minute": 18}
